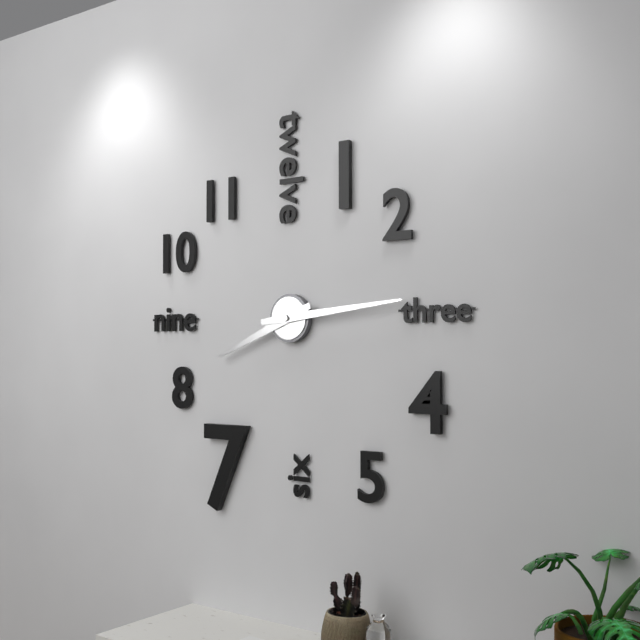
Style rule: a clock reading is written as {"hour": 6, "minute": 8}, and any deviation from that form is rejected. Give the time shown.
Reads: {"hour": 8, "minute": 14}
